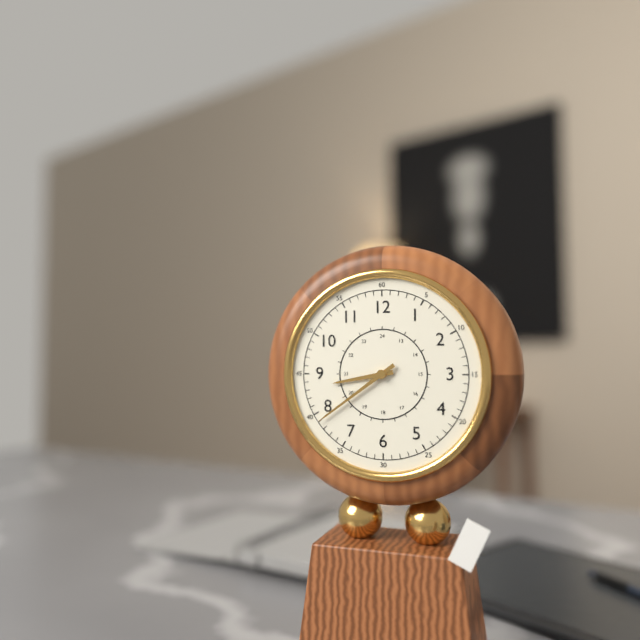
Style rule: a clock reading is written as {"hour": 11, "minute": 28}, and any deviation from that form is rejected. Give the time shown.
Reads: {"hour": 8, "minute": 39}
